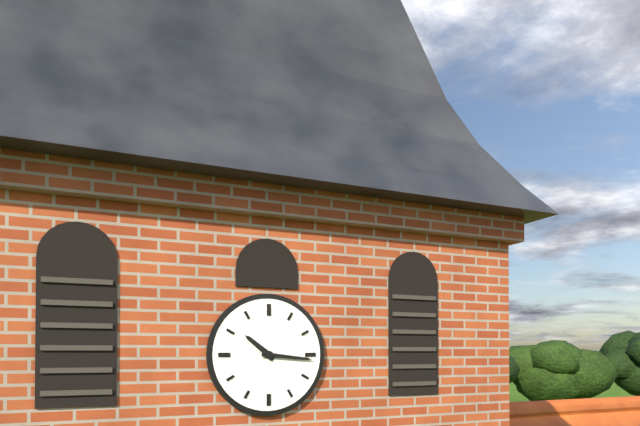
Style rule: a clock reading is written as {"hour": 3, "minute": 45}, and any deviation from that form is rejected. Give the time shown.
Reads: {"hour": 10, "minute": 16}
